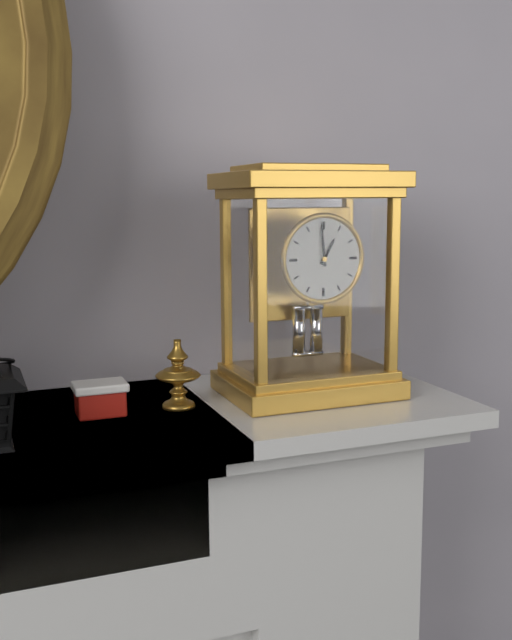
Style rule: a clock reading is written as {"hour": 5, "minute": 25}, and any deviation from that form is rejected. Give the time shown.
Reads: {"hour": 12, "minute": 59}
